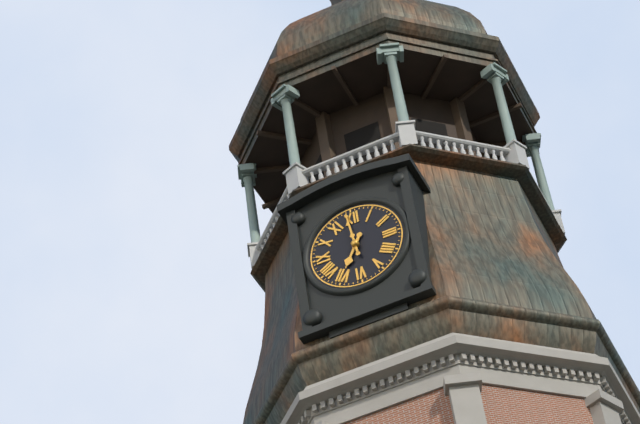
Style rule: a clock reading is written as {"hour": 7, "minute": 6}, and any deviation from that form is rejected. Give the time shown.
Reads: {"hour": 6, "minute": 59}
